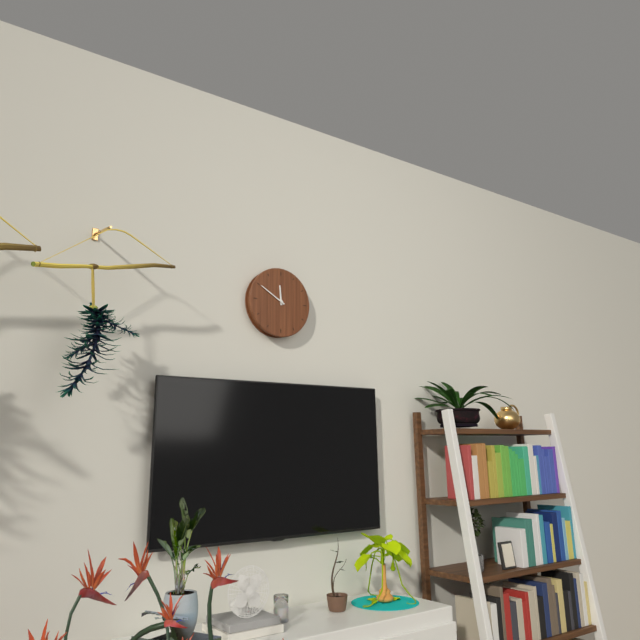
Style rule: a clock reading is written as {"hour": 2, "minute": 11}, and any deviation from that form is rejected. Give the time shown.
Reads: {"hour": 11, "minute": 50}
